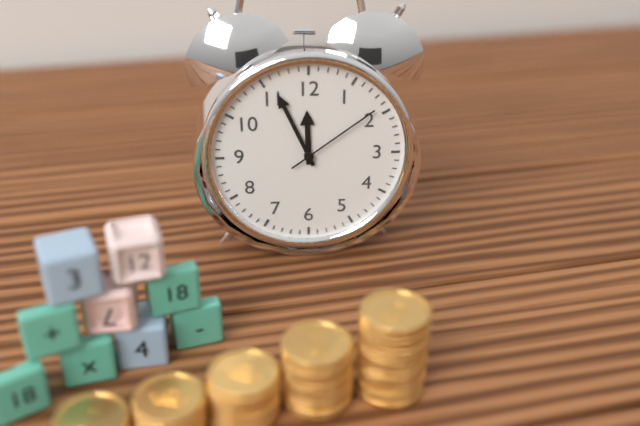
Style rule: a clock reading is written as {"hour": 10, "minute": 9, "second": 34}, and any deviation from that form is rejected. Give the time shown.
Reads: {"hour": 11, "minute": 56, "second": 9}
